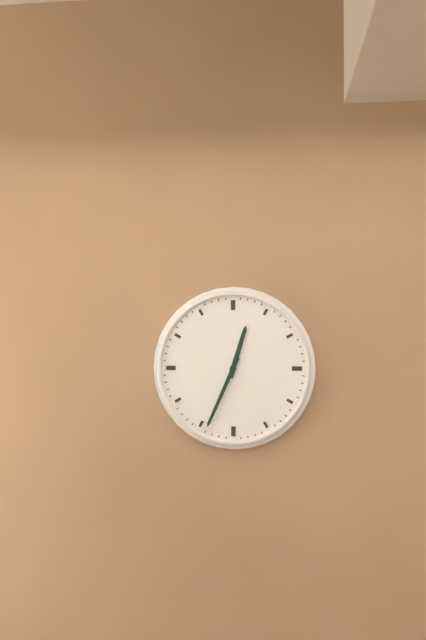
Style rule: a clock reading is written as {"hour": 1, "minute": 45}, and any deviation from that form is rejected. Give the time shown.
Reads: {"hour": 12, "minute": 34}
